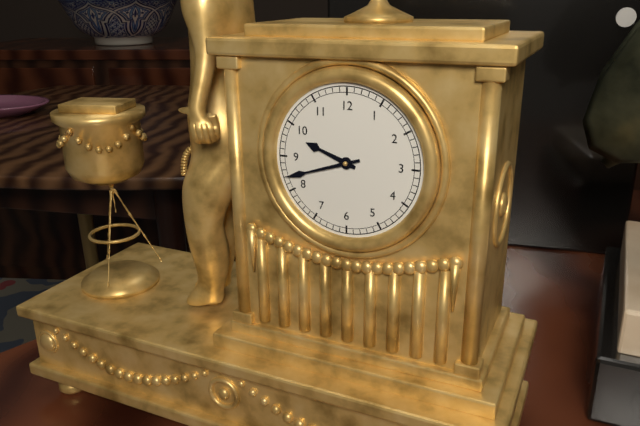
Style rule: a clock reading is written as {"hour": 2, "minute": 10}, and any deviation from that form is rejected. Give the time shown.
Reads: {"hour": 9, "minute": 42}
